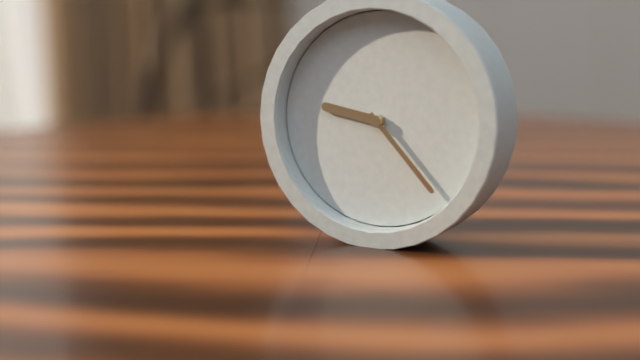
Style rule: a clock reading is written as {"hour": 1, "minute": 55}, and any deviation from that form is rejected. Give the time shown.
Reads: {"hour": 9, "minute": 23}
